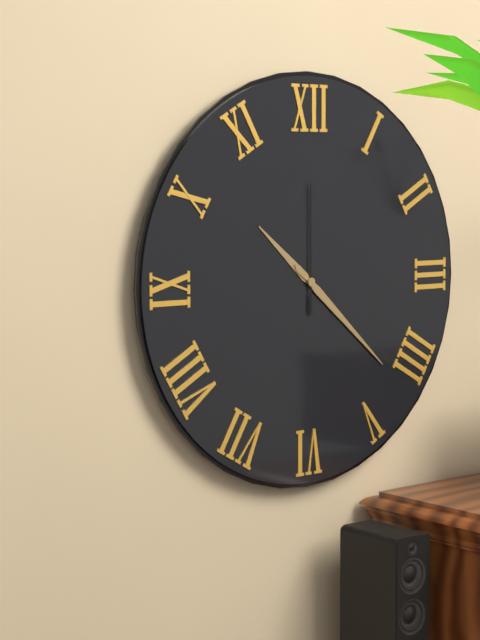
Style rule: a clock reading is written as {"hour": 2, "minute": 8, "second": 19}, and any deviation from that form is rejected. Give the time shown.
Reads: {"hour": 10, "minute": 22, "second": 0}
